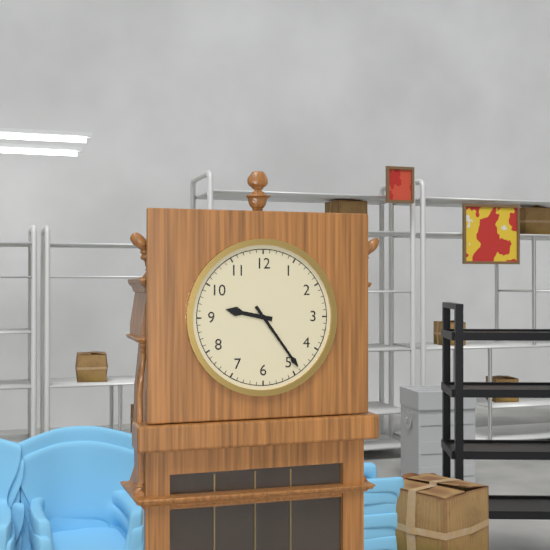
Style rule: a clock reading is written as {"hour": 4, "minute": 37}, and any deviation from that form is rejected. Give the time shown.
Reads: {"hour": 9, "minute": 24}
